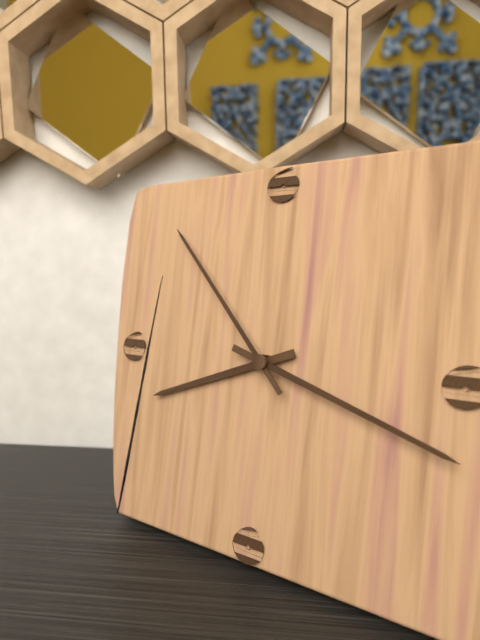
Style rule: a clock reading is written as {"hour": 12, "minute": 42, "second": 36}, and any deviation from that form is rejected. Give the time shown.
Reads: {"hour": 8, "minute": 18, "second": 53}
